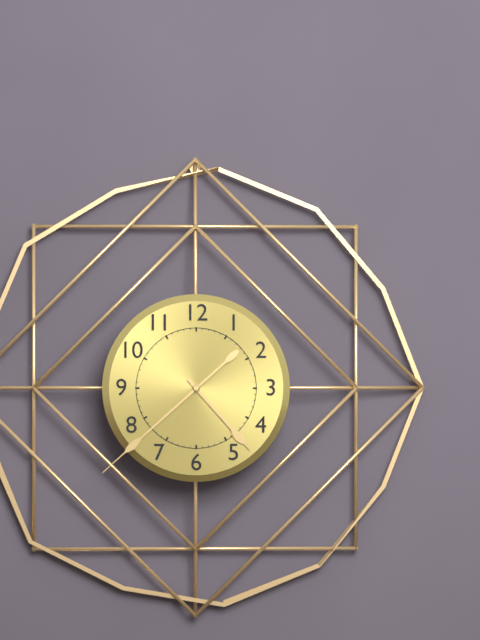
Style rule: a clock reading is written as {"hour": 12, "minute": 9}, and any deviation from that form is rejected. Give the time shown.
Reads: {"hour": 4, "minute": 38}
